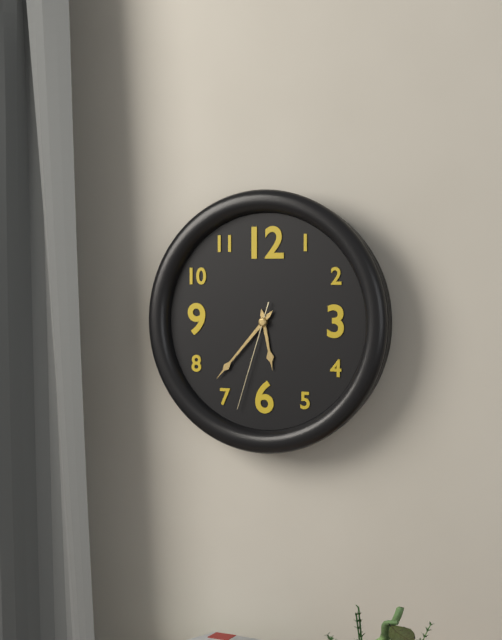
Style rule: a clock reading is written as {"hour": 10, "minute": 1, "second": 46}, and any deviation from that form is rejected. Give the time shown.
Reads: {"hour": 5, "minute": 37, "second": 33}
